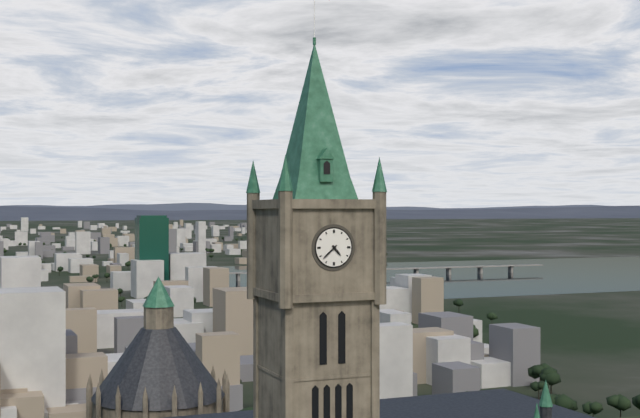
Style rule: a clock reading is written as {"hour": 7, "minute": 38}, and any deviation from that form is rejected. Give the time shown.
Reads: {"hour": 4, "minute": 38}
